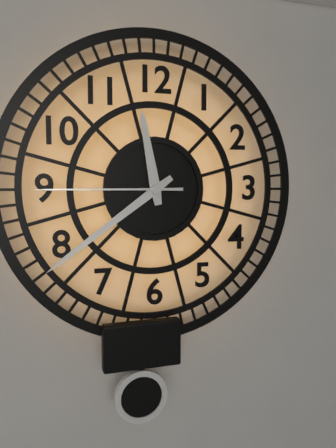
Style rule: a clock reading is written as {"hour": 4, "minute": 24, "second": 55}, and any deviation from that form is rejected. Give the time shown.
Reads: {"hour": 11, "minute": 39, "second": 45}
